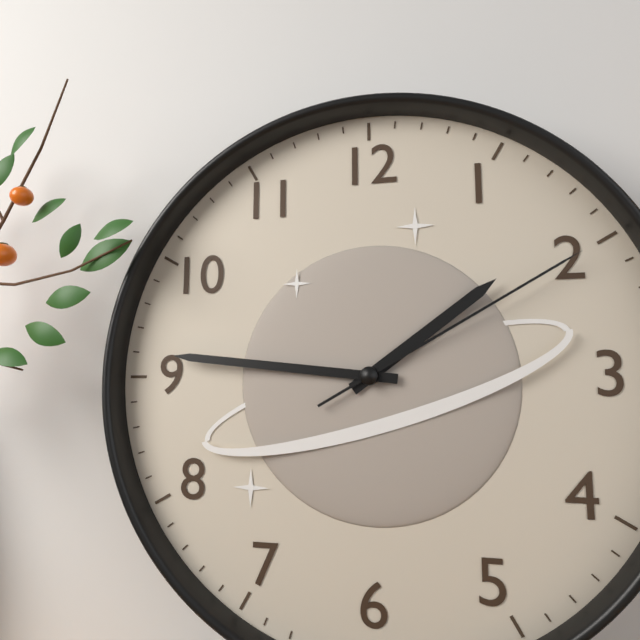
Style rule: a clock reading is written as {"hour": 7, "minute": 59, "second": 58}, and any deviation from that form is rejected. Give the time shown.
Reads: {"hour": 1, "minute": 46, "second": 10}
